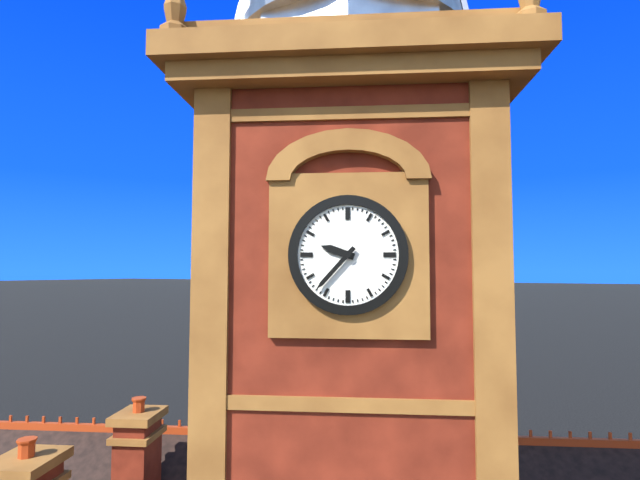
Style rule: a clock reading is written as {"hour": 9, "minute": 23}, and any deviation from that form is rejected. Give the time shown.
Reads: {"hour": 9, "minute": 37}
